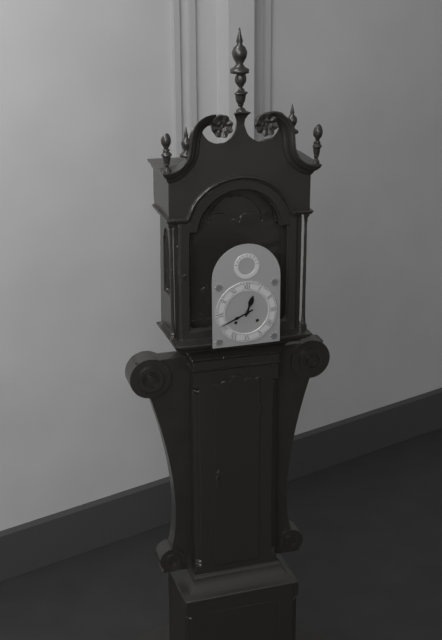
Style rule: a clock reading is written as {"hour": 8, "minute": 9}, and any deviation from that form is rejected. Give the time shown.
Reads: {"hour": 12, "minute": 41}
